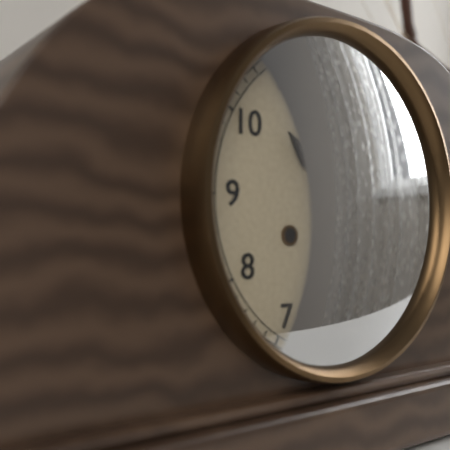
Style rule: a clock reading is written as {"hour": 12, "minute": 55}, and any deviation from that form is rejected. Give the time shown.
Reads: {"hour": 10, "minute": 27}
